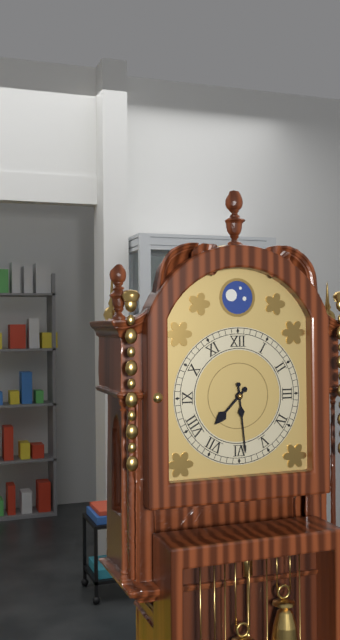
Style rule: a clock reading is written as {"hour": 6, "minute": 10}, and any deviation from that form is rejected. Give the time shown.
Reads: {"hour": 7, "minute": 29}
